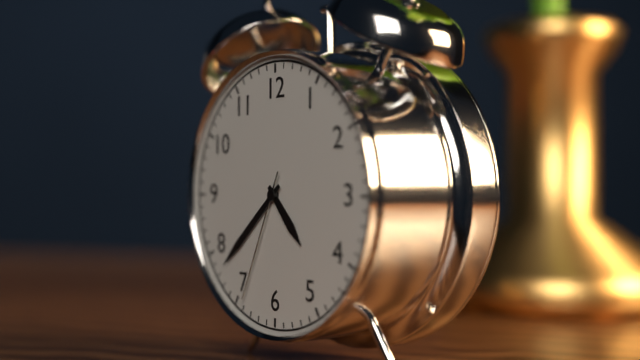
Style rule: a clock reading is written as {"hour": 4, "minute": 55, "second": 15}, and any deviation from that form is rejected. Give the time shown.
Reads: {"hour": 4, "minute": 38, "second": 34}
